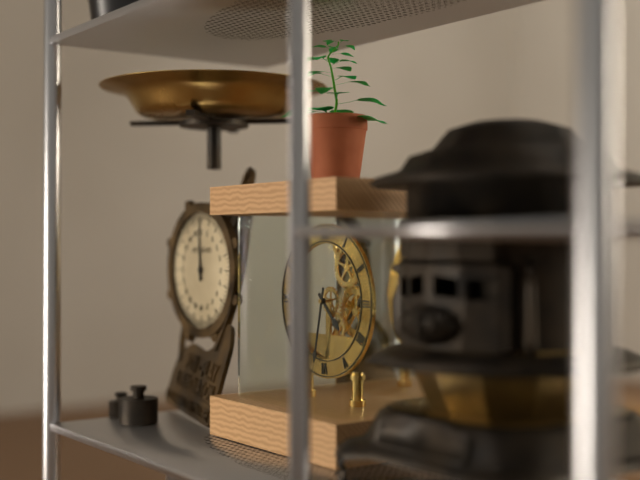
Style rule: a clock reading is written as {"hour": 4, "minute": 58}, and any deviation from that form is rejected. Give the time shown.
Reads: {"hour": 4, "minute": 32}
